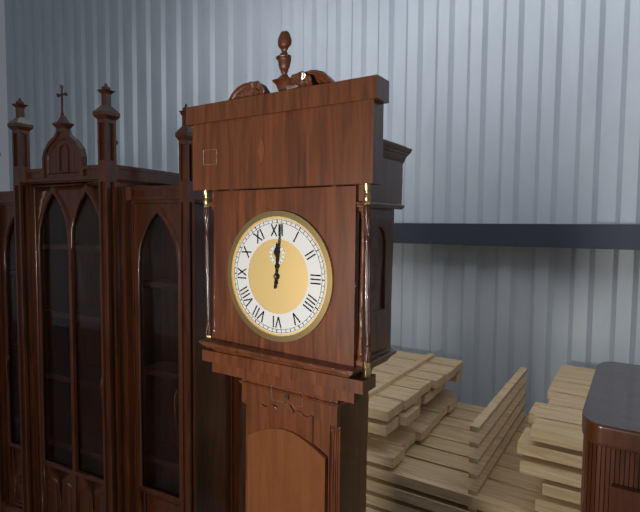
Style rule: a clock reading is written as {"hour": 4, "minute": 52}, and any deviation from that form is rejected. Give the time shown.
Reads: {"hour": 12, "minute": 1}
